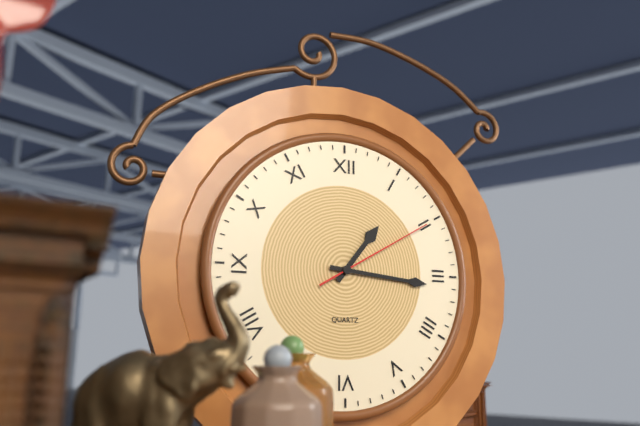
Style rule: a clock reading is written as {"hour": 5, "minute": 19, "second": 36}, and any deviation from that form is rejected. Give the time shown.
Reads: {"hour": 1, "minute": 16, "second": 10}
